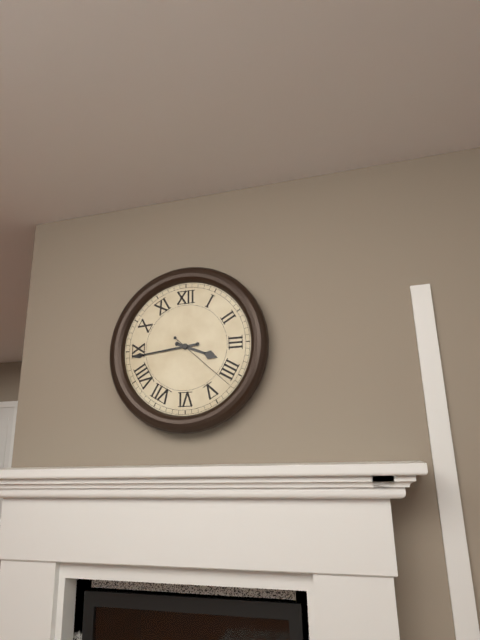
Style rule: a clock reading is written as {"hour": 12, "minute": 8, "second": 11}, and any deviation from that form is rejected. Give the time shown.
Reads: {"hour": 3, "minute": 44, "second": 22}
